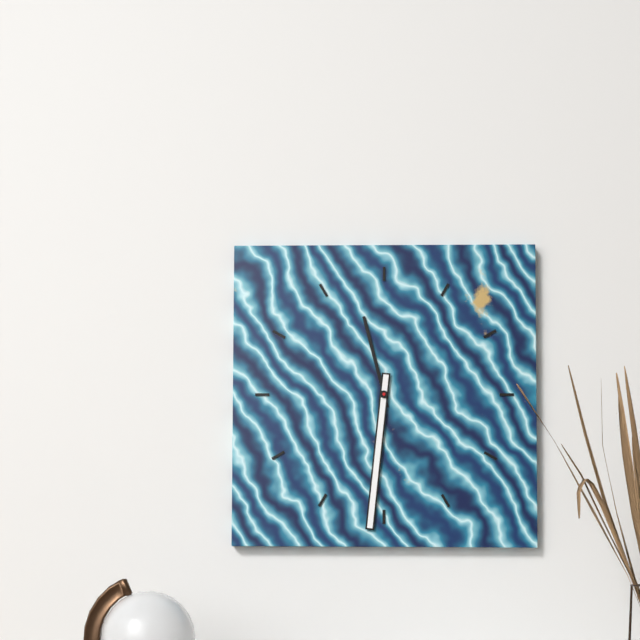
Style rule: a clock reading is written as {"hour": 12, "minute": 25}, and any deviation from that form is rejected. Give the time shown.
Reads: {"hour": 11, "minute": 31}
